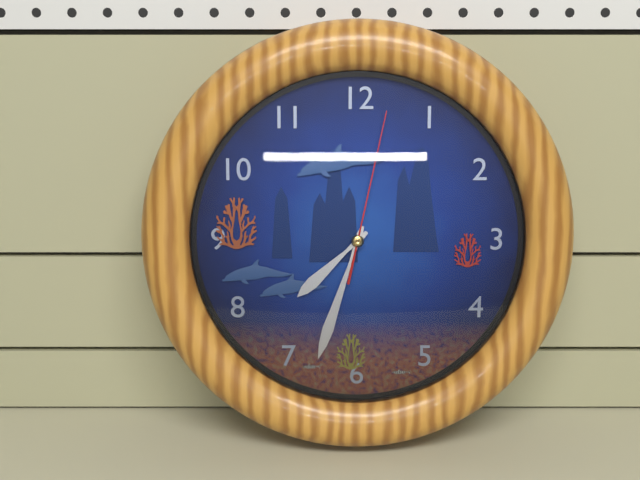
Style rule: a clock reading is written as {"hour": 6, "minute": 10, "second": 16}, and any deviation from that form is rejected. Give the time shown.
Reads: {"hour": 7, "minute": 33, "second": 2}
